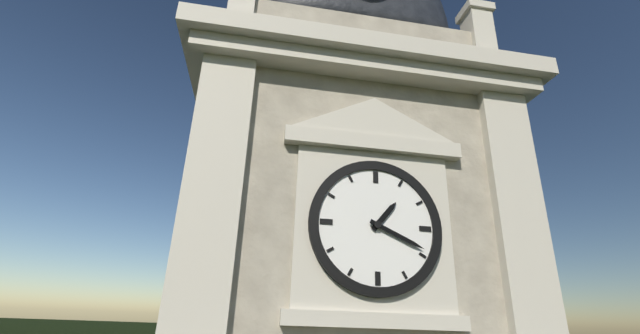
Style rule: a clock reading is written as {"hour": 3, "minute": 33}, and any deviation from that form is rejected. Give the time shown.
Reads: {"hour": 1, "minute": 19}
